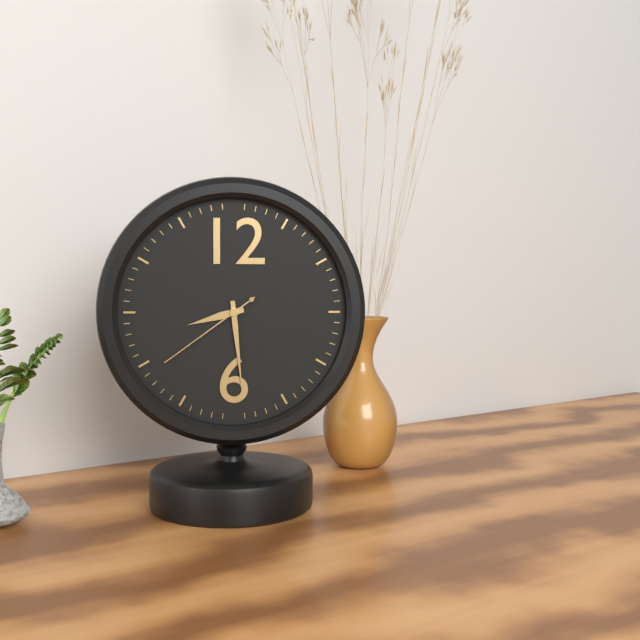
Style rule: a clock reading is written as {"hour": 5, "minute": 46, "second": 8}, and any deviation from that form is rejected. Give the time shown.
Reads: {"hour": 8, "minute": 29, "second": 39}
